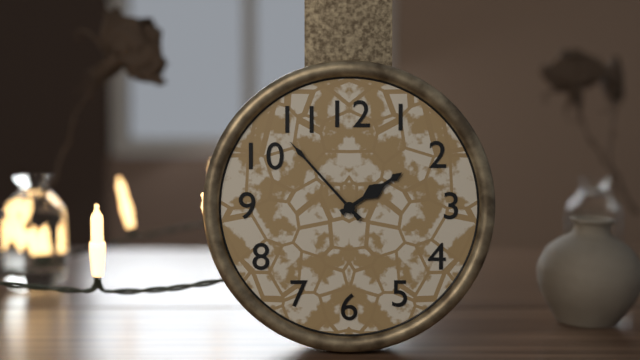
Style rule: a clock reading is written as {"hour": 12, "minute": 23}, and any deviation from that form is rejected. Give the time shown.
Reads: {"hour": 1, "minute": 53}
